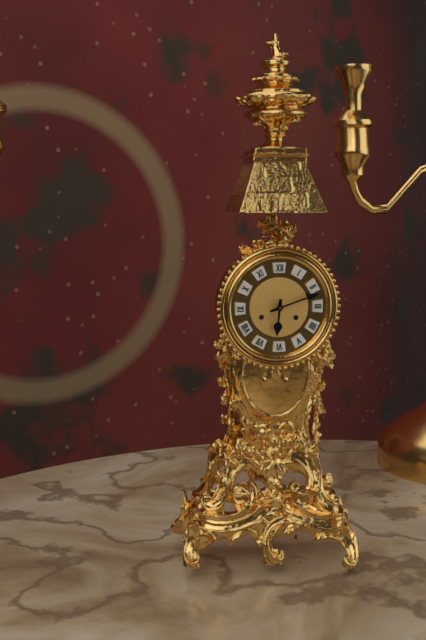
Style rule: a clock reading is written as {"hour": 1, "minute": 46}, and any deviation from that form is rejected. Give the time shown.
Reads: {"hour": 6, "minute": 12}
